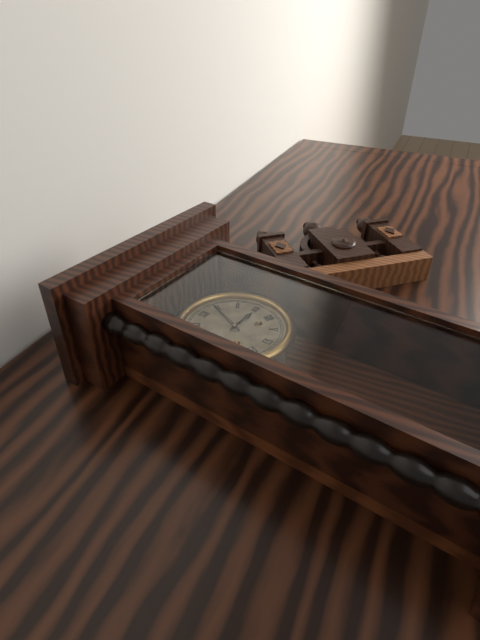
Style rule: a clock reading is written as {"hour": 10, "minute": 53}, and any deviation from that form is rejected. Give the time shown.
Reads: {"hour": 3, "minute": 4}
